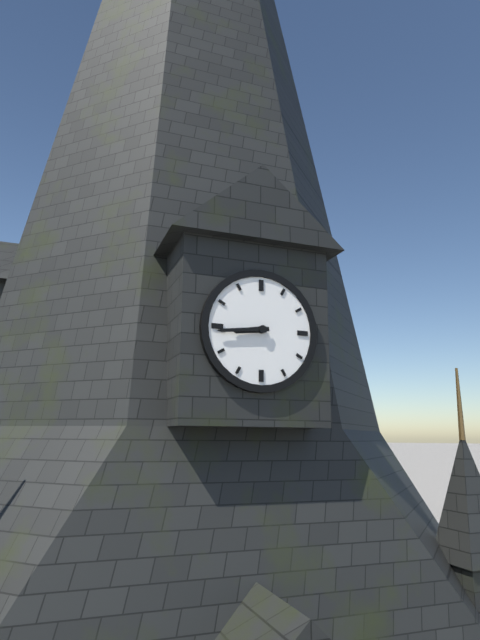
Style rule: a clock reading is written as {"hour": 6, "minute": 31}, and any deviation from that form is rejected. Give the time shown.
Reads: {"hour": 8, "minute": 44}
